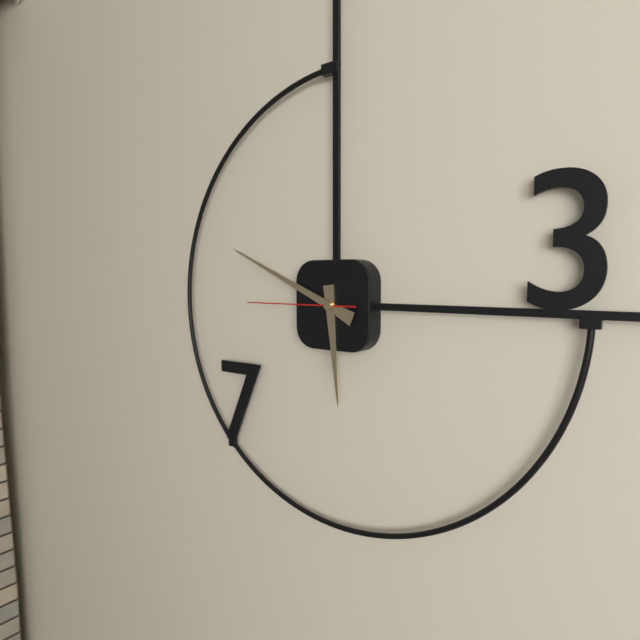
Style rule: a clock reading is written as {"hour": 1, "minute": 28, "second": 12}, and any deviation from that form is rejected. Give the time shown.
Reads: {"hour": 5, "minute": 49, "second": 45}
